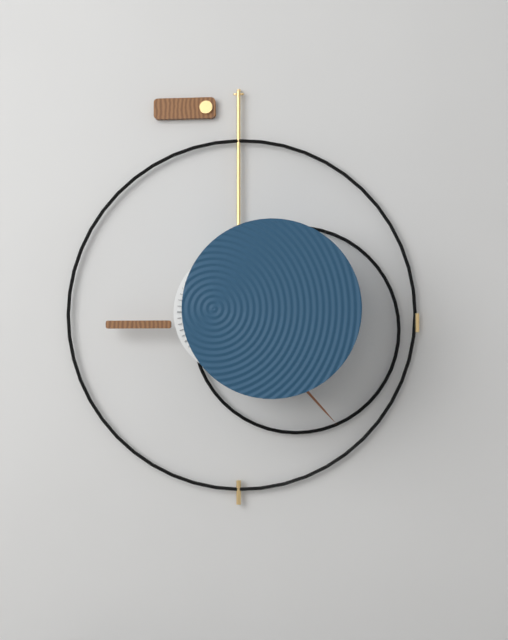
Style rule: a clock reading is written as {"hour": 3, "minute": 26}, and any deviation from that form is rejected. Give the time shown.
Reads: {"hour": 12, "minute": 23}
